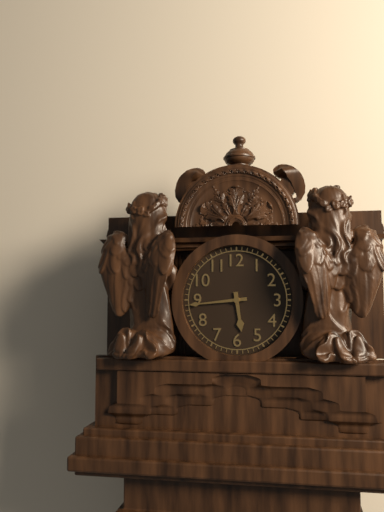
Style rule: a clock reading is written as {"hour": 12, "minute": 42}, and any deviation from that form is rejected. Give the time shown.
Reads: {"hour": 5, "minute": 44}
